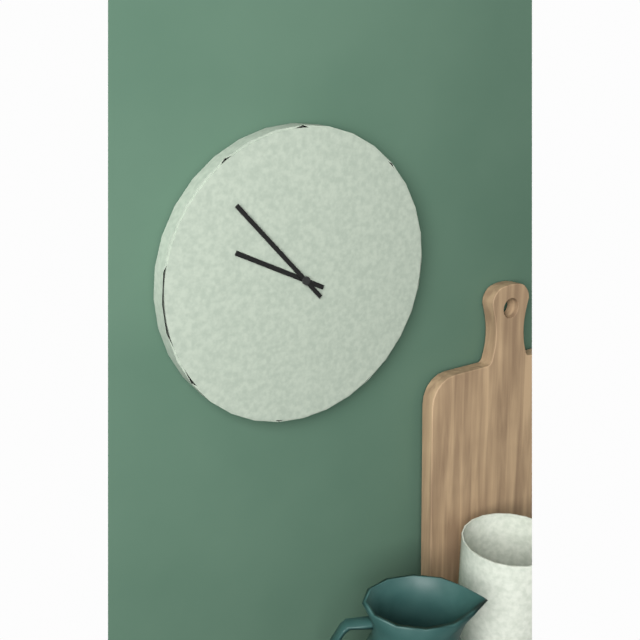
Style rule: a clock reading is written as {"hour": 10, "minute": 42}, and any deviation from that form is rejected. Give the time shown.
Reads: {"hour": 9, "minute": 53}
